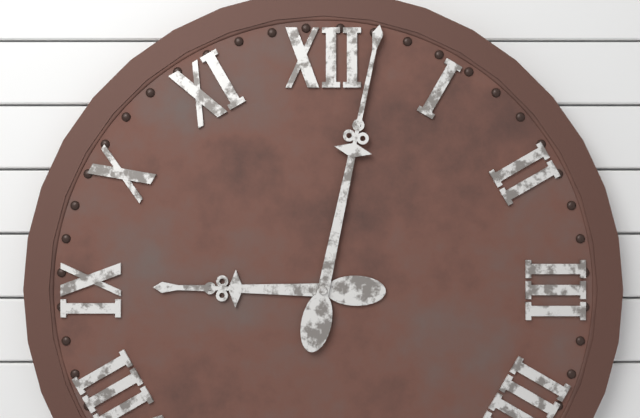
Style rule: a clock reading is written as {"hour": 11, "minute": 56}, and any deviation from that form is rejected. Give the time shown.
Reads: {"hour": 9, "minute": 2}
